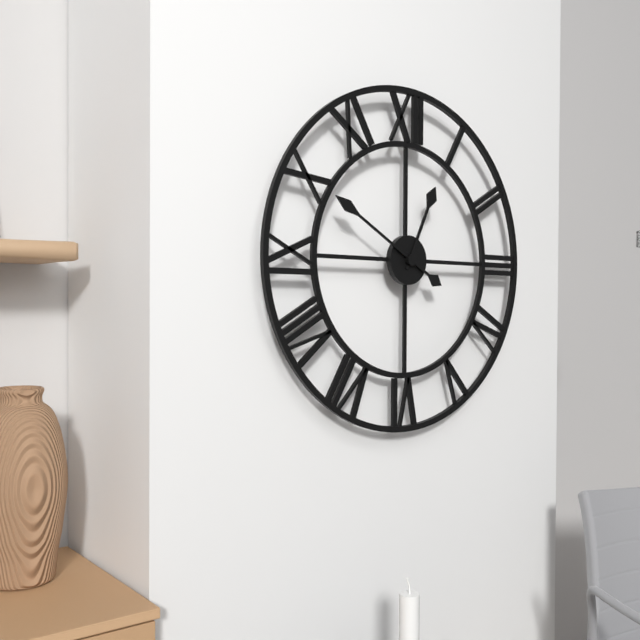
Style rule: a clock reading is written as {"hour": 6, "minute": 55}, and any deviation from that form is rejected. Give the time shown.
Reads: {"hour": 12, "minute": 50}
